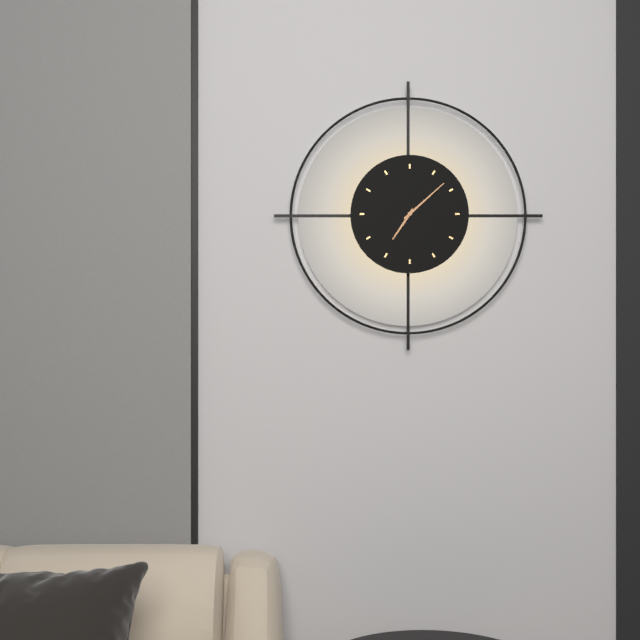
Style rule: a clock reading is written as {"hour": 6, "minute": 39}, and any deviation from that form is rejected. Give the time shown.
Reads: {"hour": 7, "minute": 8}
